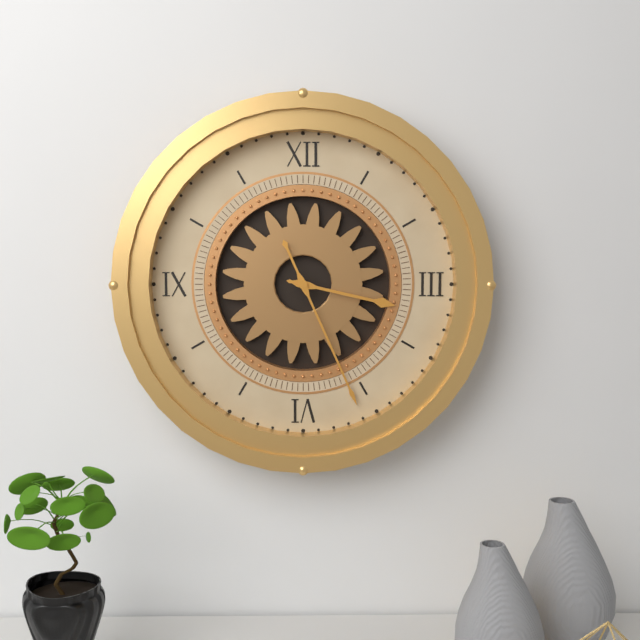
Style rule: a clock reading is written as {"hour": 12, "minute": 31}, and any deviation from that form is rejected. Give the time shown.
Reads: {"hour": 3, "minute": 26}
